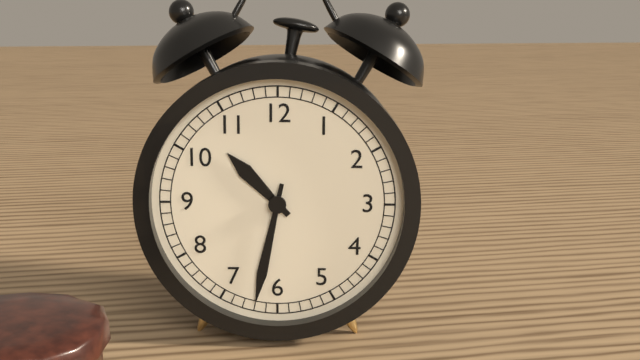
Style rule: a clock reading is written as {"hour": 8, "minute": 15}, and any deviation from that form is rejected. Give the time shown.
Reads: {"hour": 10, "minute": 32}
